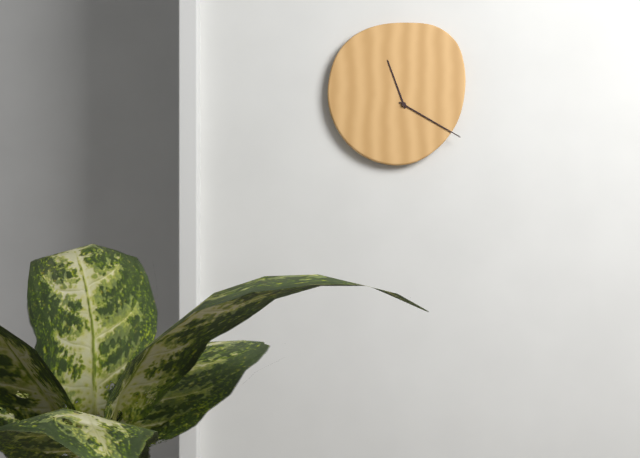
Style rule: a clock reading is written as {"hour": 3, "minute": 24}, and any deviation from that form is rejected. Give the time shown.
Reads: {"hour": 11, "minute": 20}
